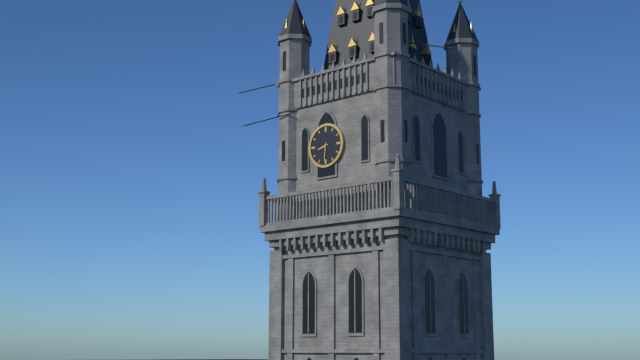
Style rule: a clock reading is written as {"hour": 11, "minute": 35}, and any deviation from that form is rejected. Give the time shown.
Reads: {"hour": 8, "minute": 31}
